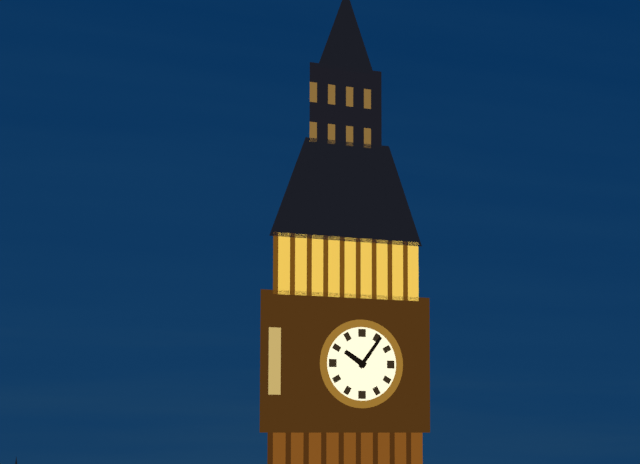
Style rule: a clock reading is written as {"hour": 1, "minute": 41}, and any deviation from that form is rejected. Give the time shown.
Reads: {"hour": 10, "minute": 6}
